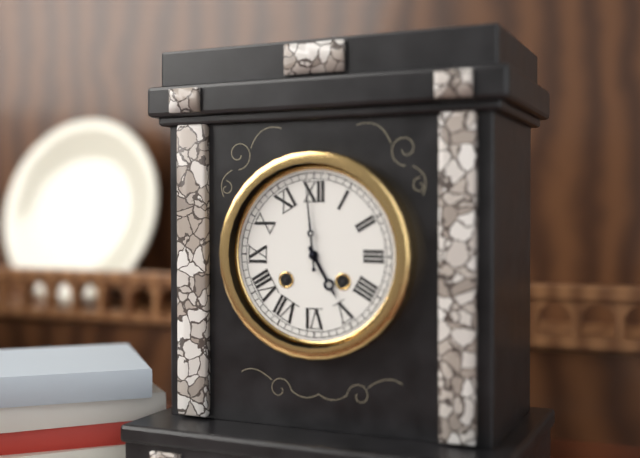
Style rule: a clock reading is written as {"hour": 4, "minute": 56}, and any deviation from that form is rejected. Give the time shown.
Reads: {"hour": 4, "minute": 59}
